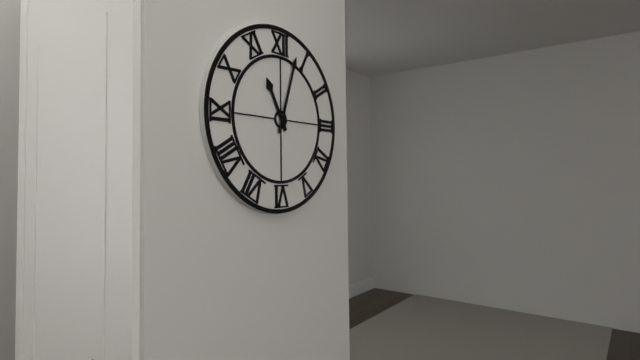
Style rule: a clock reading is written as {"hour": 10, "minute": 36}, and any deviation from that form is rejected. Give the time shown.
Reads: {"hour": 11, "minute": 3}
